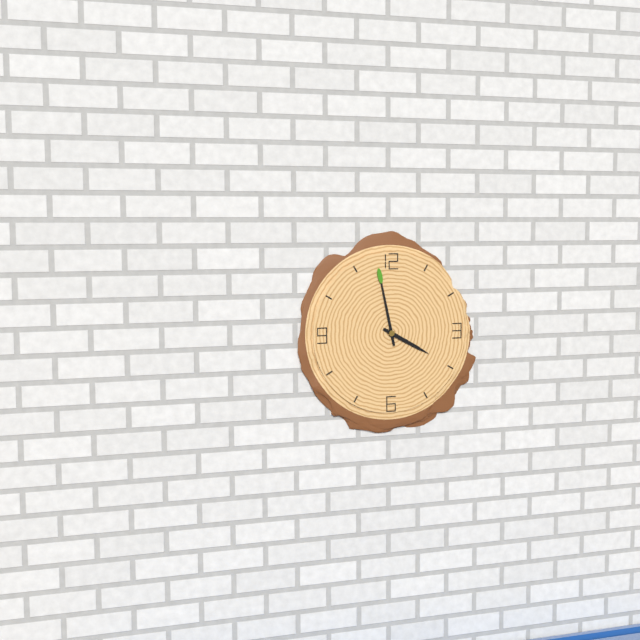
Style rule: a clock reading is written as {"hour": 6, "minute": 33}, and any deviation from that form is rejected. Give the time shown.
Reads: {"hour": 3, "minute": 58}
